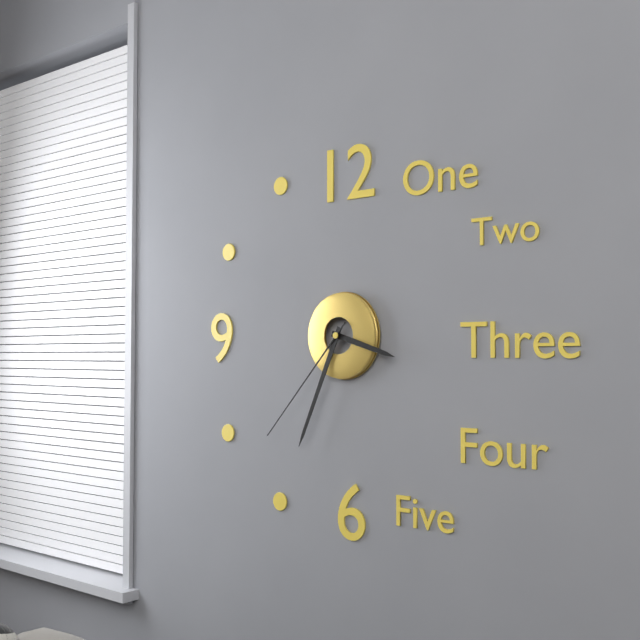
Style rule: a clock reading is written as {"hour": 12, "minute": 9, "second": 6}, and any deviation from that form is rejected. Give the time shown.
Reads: {"hour": 3, "minute": 34, "second": 37}
